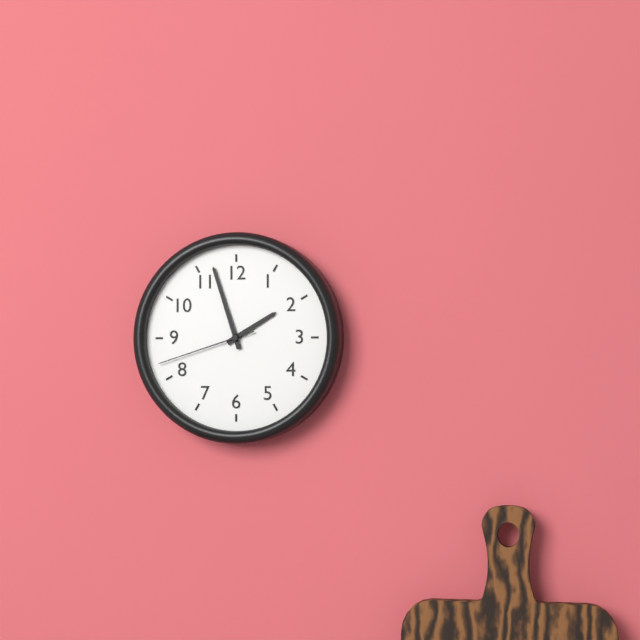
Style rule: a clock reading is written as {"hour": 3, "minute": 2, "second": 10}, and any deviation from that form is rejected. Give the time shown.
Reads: {"hour": 1, "minute": 57, "second": 42}
